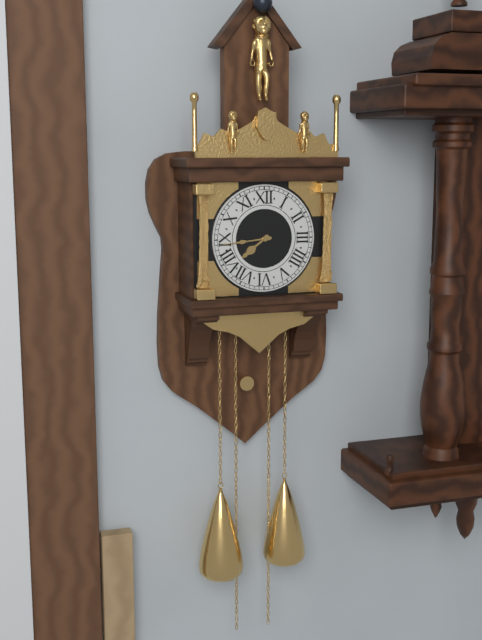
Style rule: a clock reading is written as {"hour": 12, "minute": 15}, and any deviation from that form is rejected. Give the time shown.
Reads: {"hour": 7, "minute": 44}
